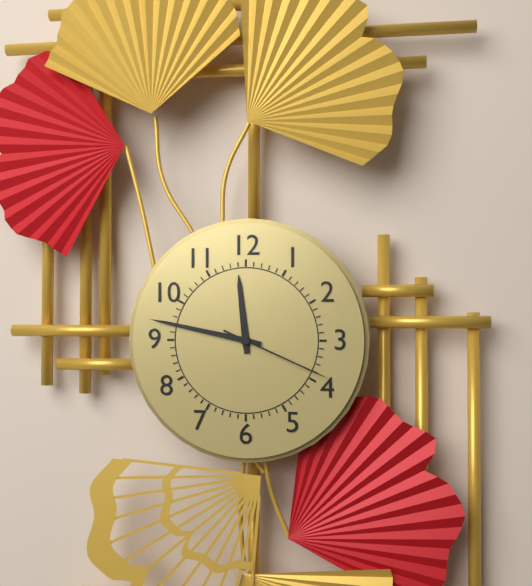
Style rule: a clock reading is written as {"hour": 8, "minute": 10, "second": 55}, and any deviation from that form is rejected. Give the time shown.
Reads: {"hour": 11, "minute": 47, "second": 19}
